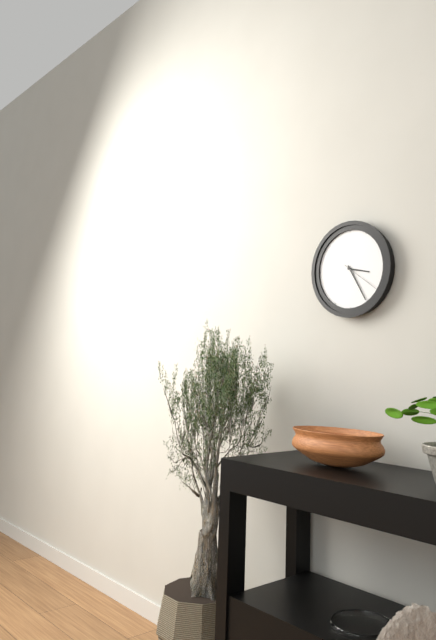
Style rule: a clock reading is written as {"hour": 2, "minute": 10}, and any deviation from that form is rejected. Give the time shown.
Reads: {"hour": 3, "minute": 25}
